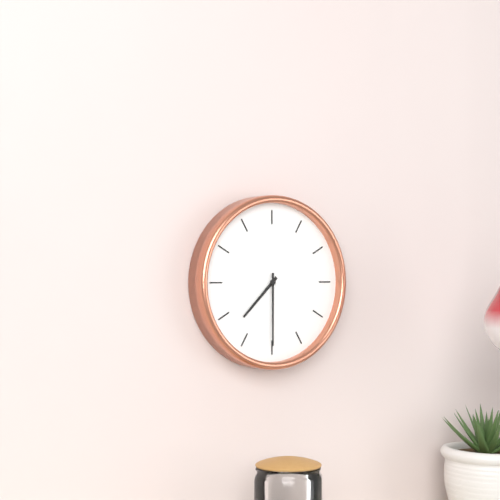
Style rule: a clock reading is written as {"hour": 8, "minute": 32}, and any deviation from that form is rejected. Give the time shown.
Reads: {"hour": 7, "minute": 30}
